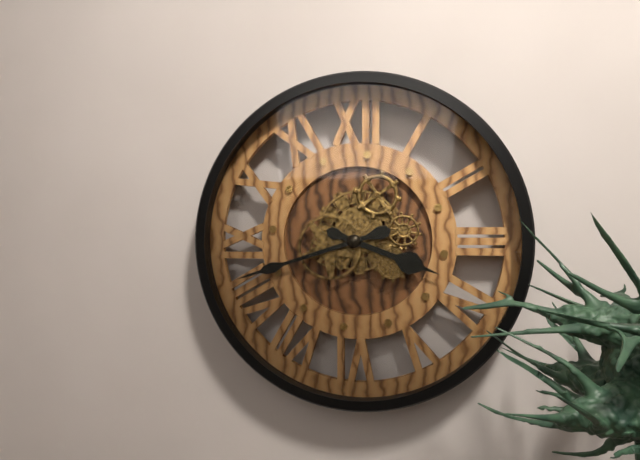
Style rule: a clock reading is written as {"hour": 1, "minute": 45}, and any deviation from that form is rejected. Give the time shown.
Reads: {"hour": 3, "minute": 42}
